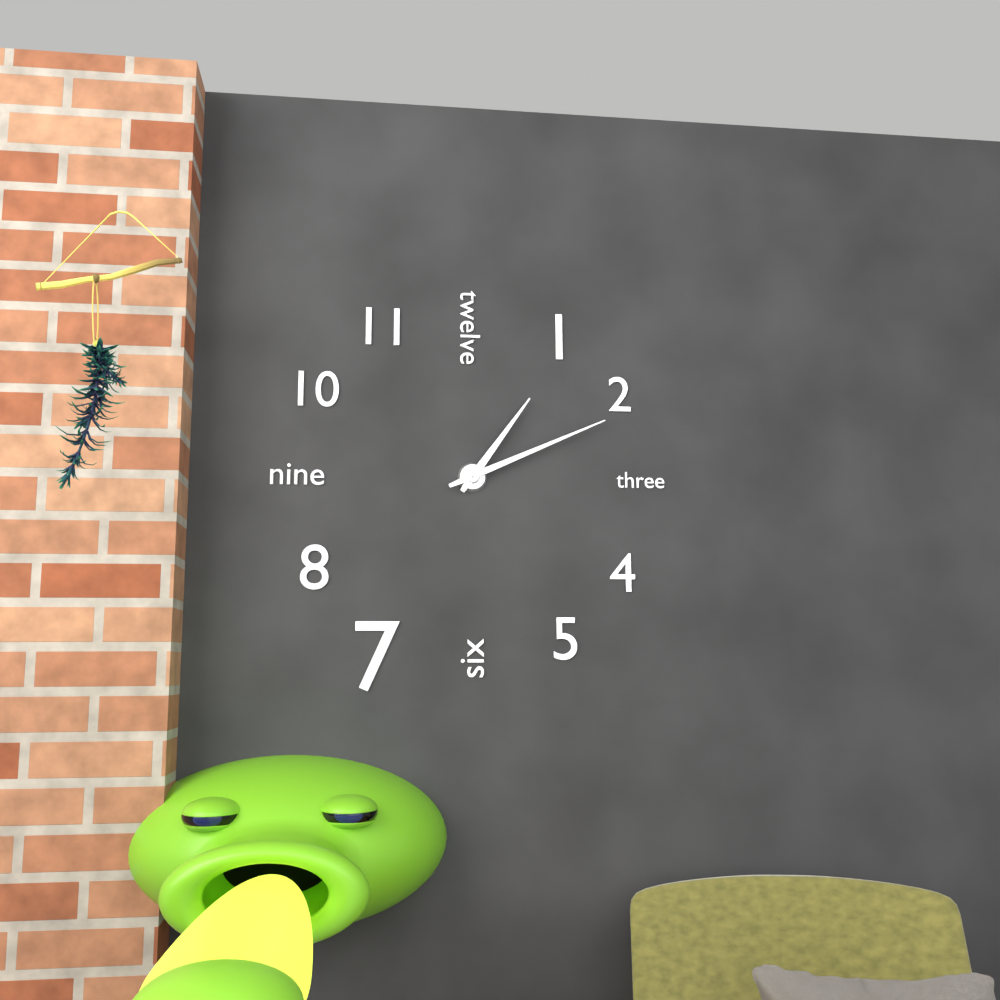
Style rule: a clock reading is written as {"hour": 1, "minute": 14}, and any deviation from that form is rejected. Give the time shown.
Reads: {"hour": 1, "minute": 11}
